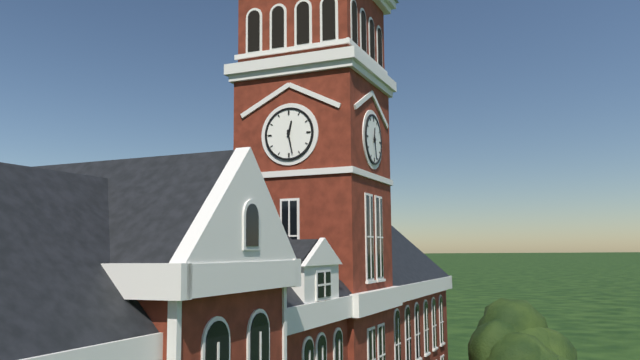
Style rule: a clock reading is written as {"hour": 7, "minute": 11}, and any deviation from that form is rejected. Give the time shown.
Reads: {"hour": 12, "minute": 28}
